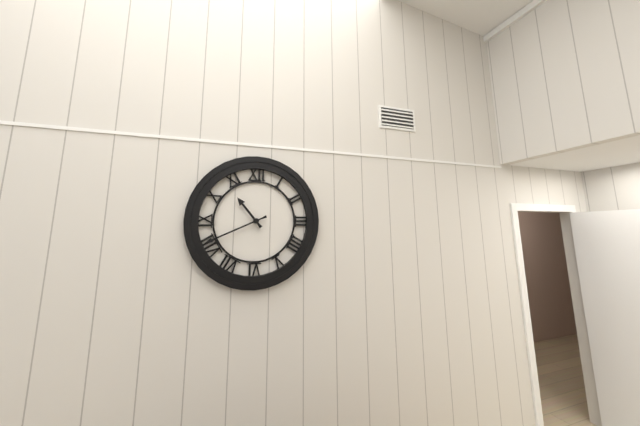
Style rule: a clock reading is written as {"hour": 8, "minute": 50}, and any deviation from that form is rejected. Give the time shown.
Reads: {"hour": 10, "minute": 41}
